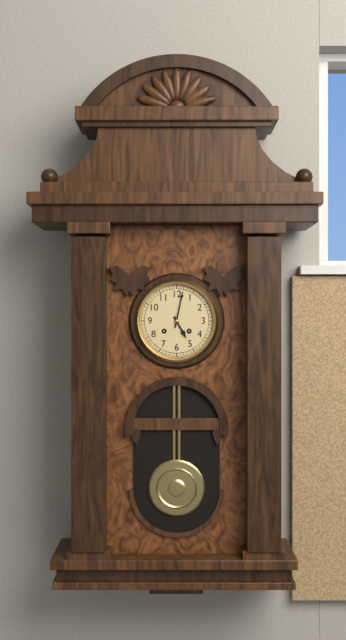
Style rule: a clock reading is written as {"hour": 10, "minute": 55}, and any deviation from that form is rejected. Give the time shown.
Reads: {"hour": 5, "minute": 2}
